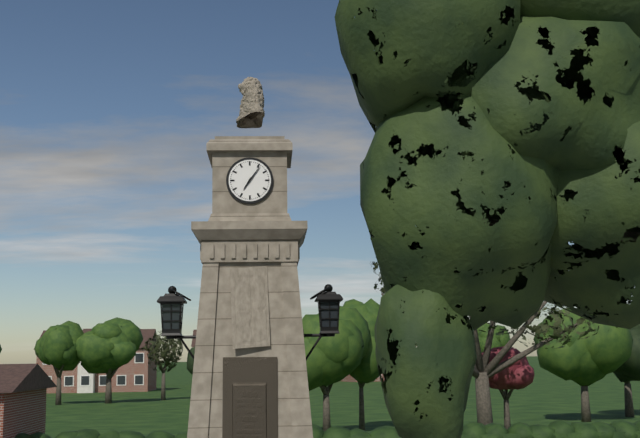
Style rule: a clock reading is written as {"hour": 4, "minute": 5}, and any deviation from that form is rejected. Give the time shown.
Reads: {"hour": 7, "minute": 6}
